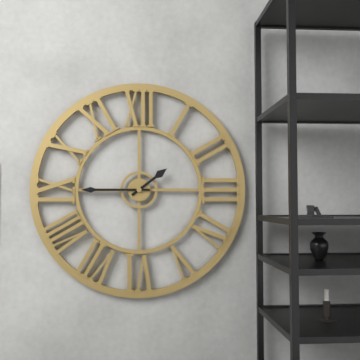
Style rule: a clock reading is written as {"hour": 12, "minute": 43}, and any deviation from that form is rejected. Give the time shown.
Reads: {"hour": 1, "minute": 45}
